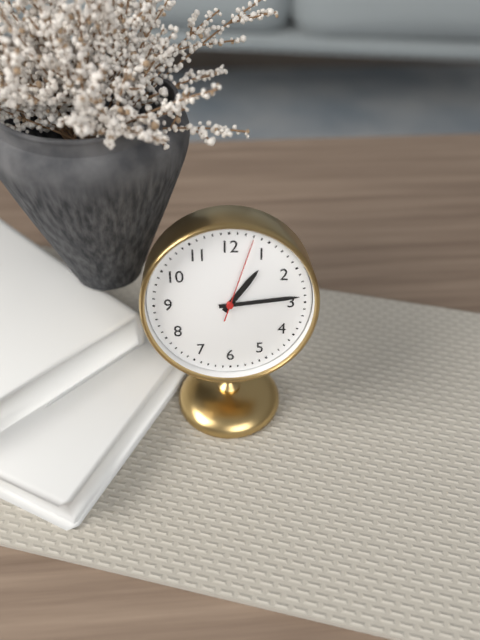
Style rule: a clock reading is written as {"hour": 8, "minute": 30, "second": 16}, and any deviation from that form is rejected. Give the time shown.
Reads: {"hour": 1, "minute": 14, "second": 3}
